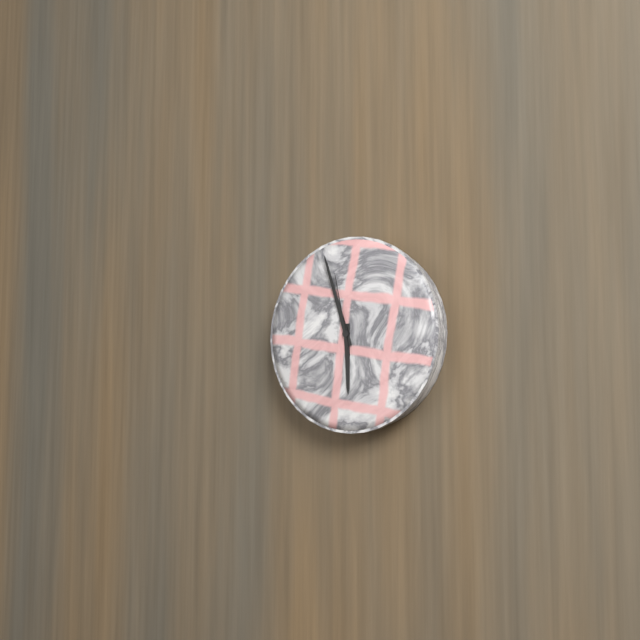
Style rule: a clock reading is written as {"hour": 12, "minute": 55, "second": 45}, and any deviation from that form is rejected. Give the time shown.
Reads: {"hour": 5, "minute": 57, "second": 58}
